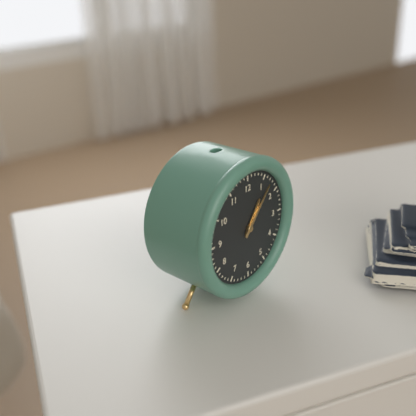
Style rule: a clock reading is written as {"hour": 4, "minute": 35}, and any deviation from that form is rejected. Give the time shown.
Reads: {"hour": 1, "minute": 7}
